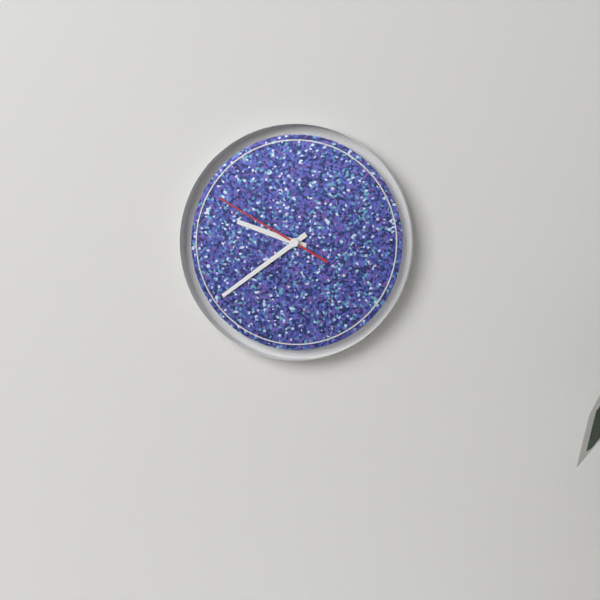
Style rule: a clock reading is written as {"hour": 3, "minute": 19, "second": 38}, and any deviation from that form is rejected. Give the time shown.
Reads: {"hour": 9, "minute": 39, "second": 50}
